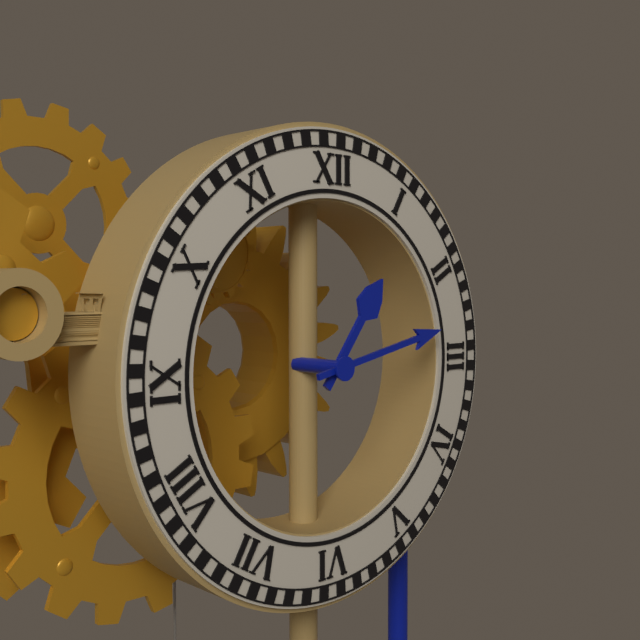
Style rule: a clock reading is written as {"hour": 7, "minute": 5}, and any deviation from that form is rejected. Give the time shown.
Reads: {"hour": 1, "minute": 13}
